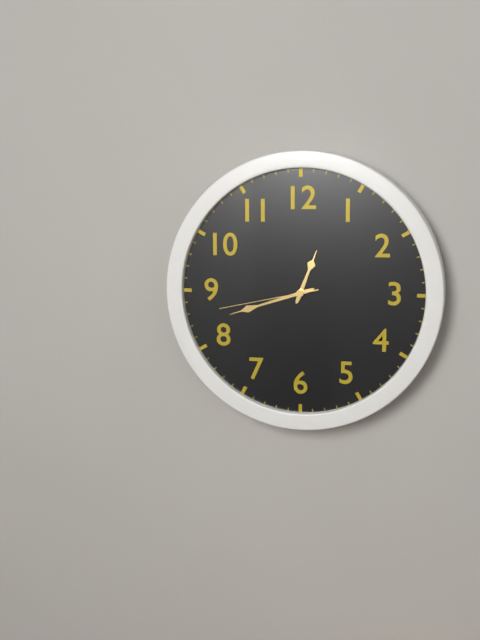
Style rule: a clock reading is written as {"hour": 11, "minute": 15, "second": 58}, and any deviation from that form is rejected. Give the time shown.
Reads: {"hour": 12, "minute": 42, "second": 43}
